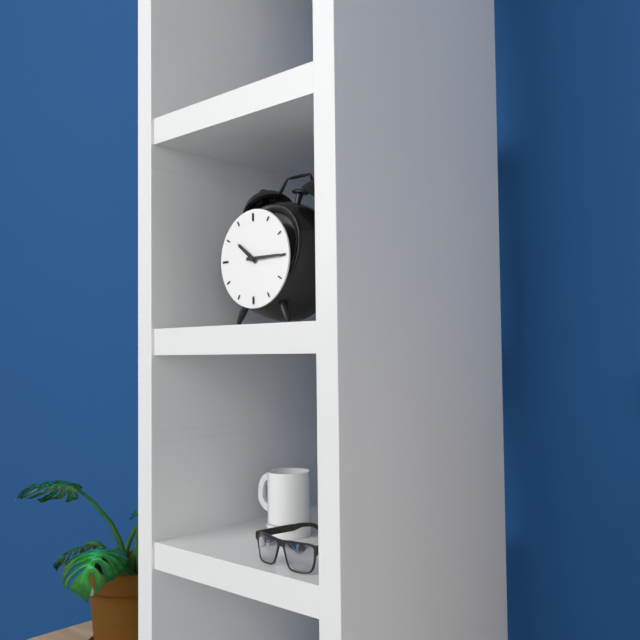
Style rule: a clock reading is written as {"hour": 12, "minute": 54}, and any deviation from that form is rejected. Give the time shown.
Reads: {"hour": 10, "minute": 15}
